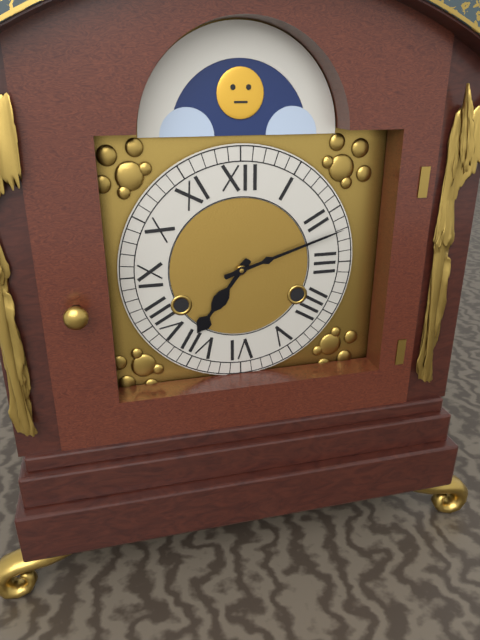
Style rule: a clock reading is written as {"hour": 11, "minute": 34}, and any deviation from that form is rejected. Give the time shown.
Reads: {"hour": 7, "minute": 12}
